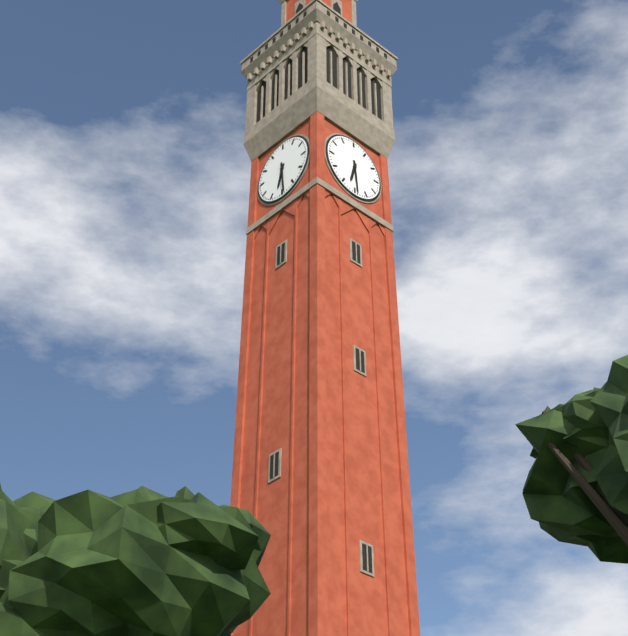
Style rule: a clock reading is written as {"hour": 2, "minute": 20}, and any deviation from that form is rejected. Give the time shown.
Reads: {"hour": 6, "minute": 29}
